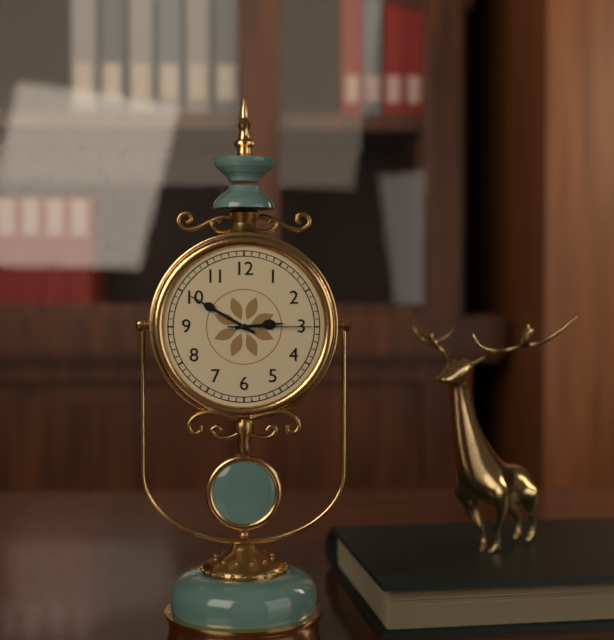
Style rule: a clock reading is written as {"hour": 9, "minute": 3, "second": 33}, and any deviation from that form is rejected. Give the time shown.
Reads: {"hour": 2, "minute": 50, "second": 15}
